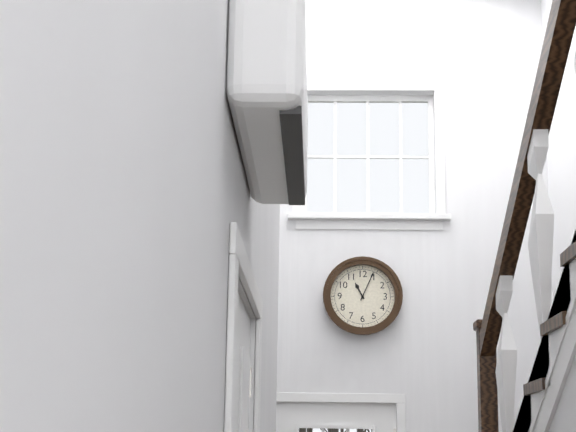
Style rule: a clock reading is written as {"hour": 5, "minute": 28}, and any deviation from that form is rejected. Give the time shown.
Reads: {"hour": 11, "minute": 4}
